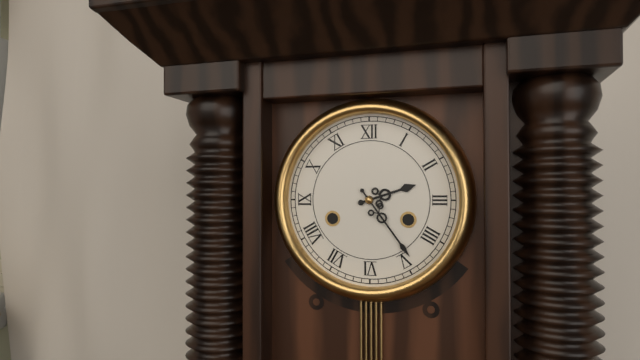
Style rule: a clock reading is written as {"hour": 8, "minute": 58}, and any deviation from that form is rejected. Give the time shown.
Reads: {"hour": 2, "minute": 24}
